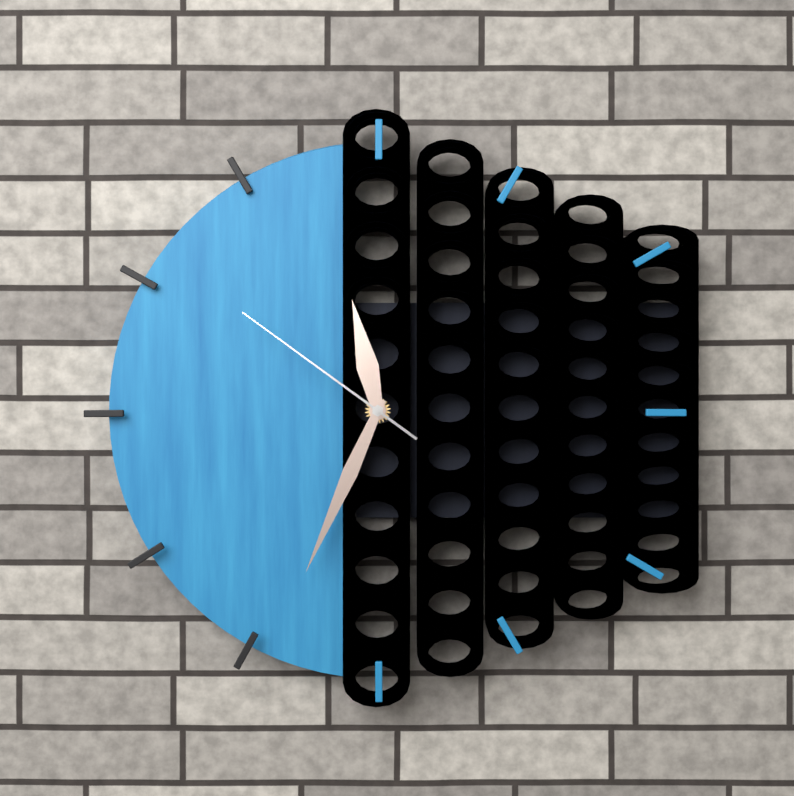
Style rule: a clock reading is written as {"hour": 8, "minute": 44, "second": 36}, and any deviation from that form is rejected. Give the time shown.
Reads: {"hour": 11, "minute": 34, "second": 51}
